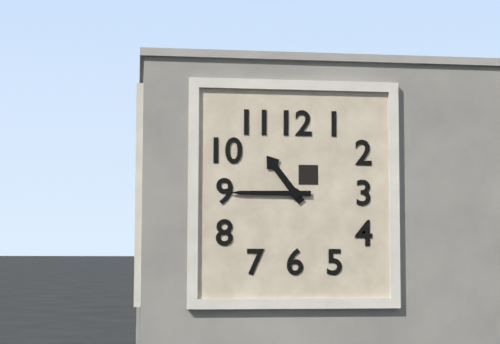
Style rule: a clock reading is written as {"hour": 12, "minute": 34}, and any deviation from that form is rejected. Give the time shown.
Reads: {"hour": 10, "minute": 45}
